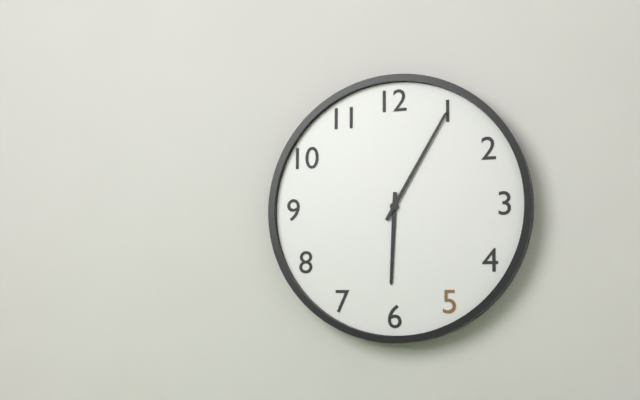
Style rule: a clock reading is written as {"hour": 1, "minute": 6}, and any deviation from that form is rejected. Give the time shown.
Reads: {"hour": 6, "minute": 5}
